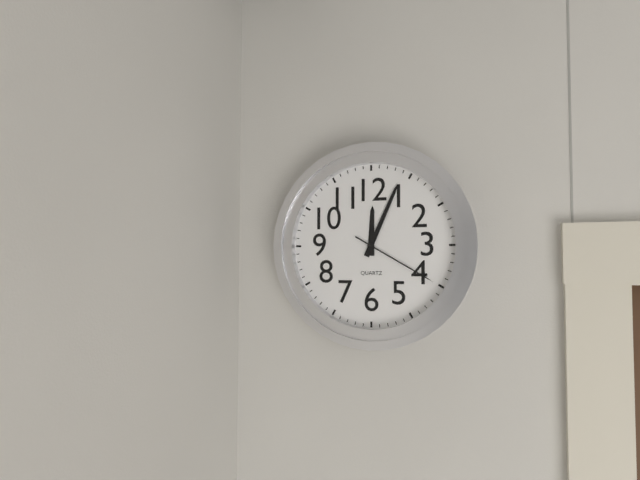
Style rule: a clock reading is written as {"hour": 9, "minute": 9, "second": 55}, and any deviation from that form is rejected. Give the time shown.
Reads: {"hour": 12, "minute": 4, "second": 20}
